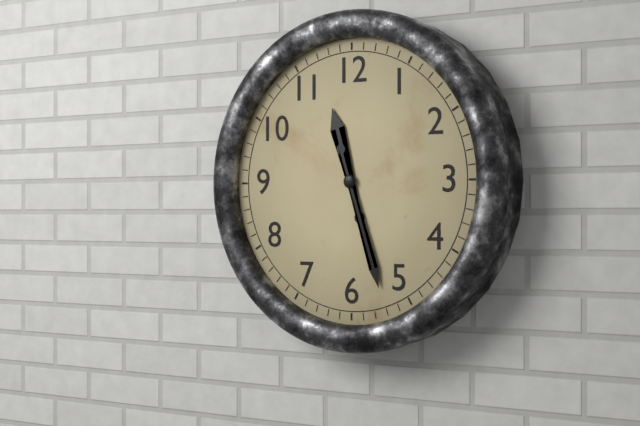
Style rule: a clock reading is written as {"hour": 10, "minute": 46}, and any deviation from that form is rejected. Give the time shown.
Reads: {"hour": 11, "minute": 27}
